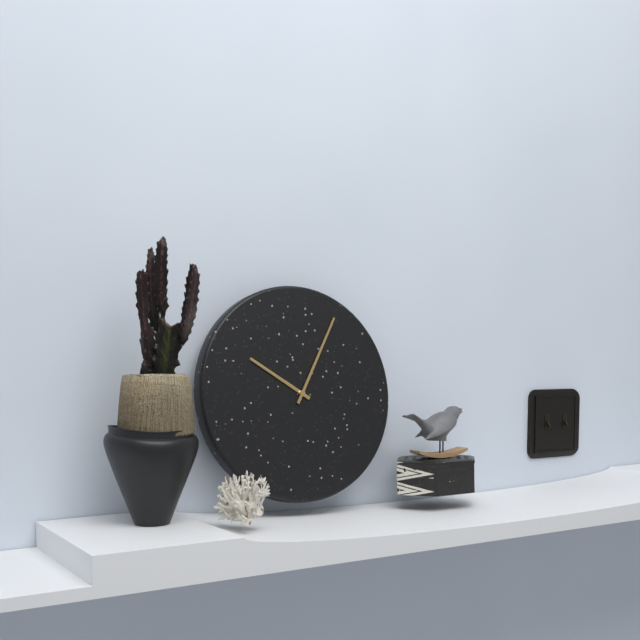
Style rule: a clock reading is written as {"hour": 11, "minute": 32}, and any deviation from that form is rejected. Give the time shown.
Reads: {"hour": 10, "minute": 5}
